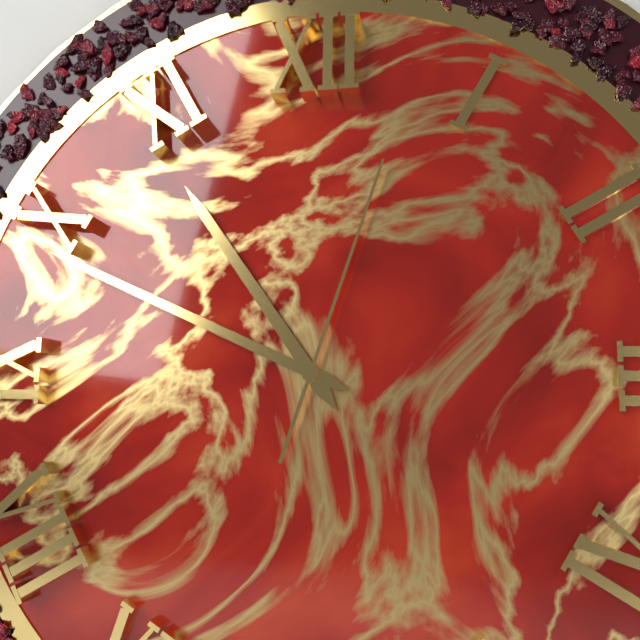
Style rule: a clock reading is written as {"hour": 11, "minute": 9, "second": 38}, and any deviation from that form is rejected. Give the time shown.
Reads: {"hour": 10, "minute": 49, "second": 3}
